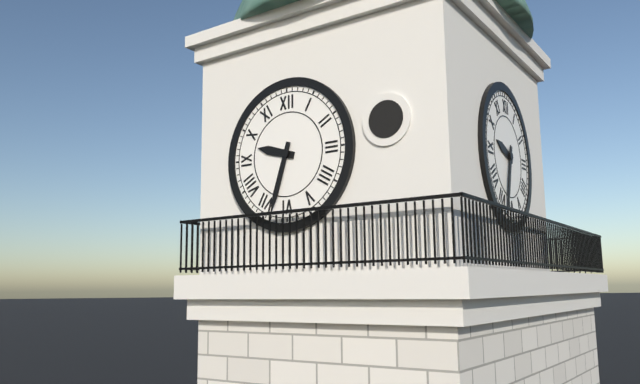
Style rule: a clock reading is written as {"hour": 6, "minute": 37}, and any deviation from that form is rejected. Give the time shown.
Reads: {"hour": 9, "minute": 33}
